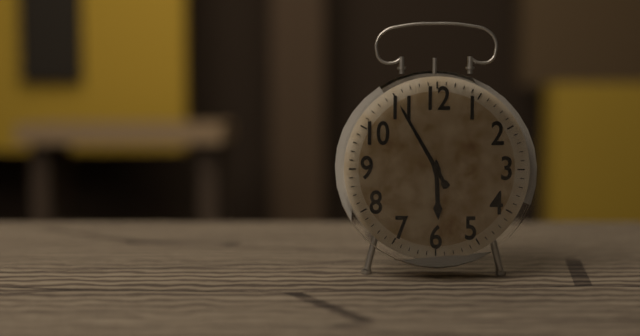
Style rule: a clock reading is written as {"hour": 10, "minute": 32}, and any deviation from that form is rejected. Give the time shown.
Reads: {"hour": 5, "minute": 55}
